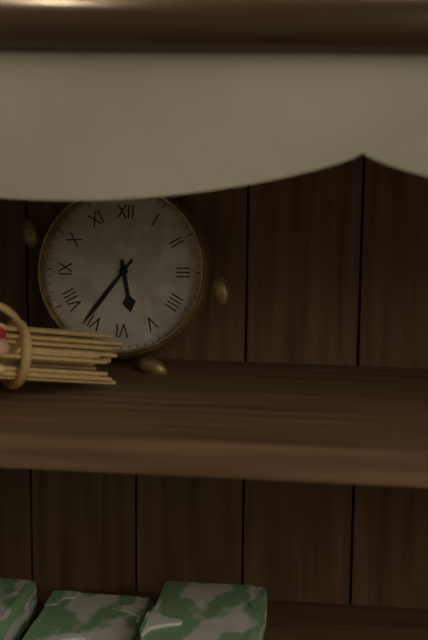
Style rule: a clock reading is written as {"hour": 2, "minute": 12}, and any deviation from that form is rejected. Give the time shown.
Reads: {"hour": 5, "minute": 36}
